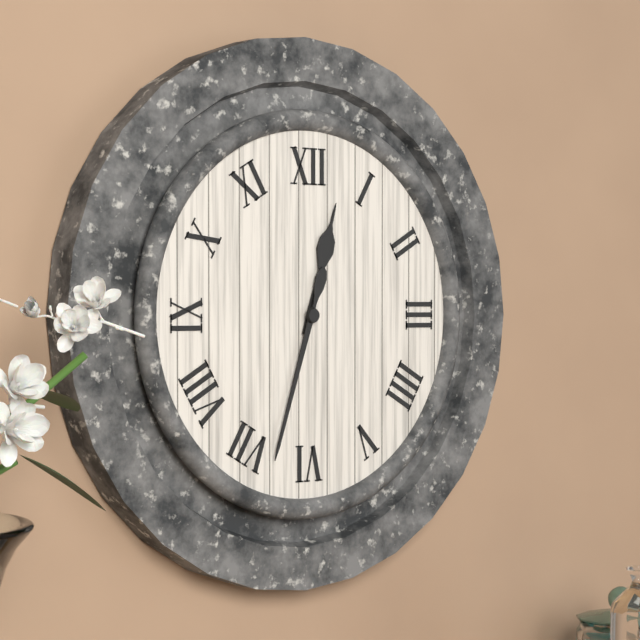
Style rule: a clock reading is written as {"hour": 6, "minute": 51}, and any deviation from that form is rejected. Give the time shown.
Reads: {"hour": 12, "minute": 33}
